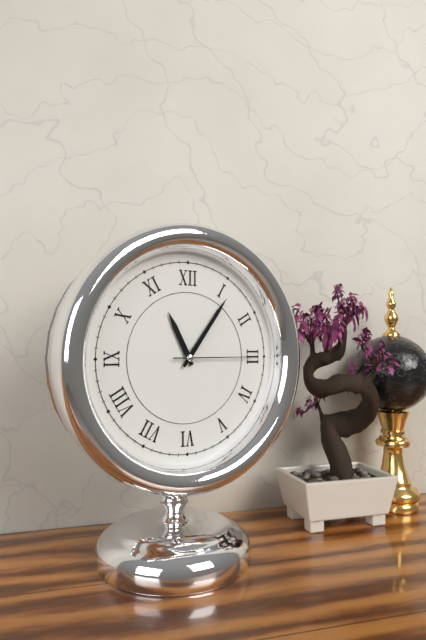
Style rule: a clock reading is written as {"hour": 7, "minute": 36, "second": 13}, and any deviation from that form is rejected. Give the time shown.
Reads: {"hour": 11, "minute": 6, "second": 15}
